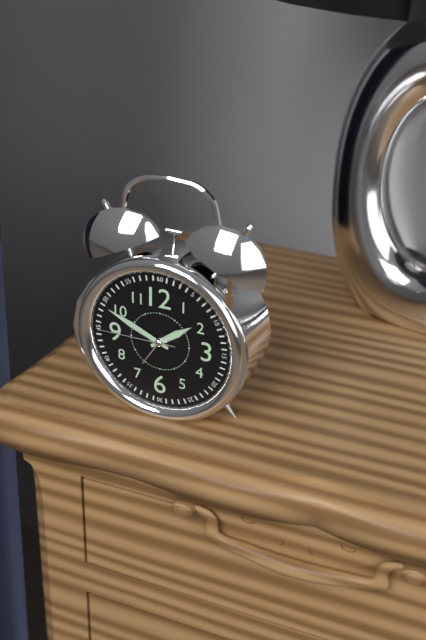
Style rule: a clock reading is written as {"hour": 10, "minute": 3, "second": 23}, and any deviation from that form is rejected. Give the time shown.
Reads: {"hour": 1, "minute": 49, "second": 45}
